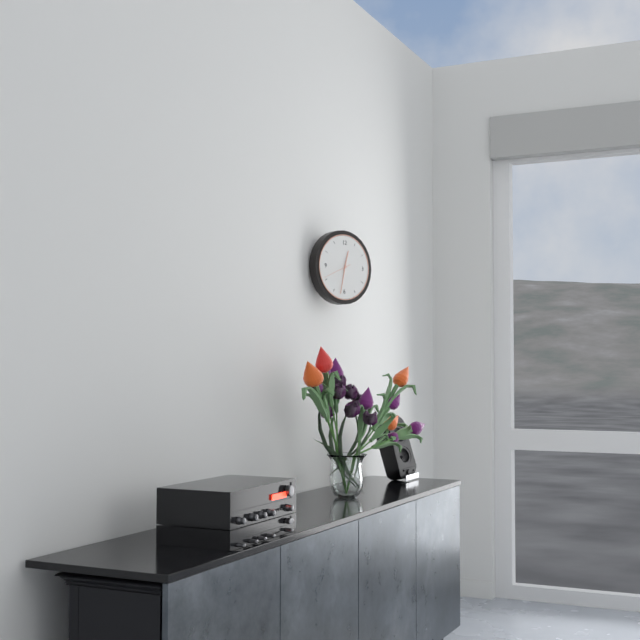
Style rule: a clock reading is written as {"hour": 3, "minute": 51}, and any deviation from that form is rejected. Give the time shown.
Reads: {"hour": 12, "minute": 32}
